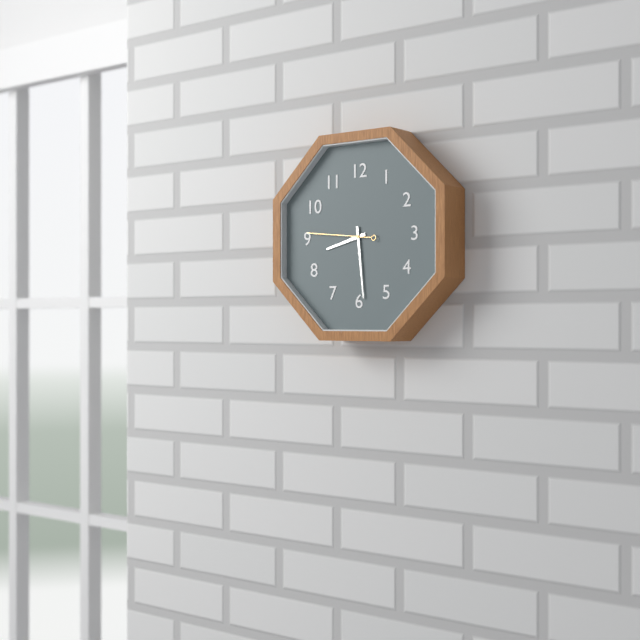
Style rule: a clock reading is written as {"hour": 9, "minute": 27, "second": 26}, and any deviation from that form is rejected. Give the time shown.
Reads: {"hour": 8, "minute": 29, "second": 46}
